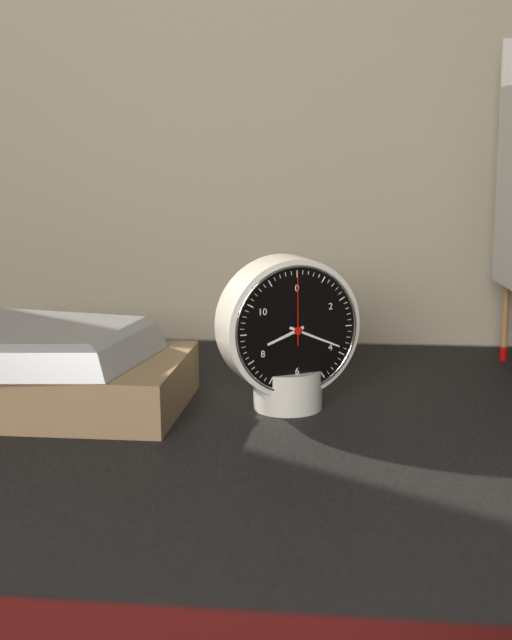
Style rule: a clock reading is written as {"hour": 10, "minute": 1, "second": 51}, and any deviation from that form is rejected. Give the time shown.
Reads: {"hour": 8, "minute": 19, "second": 0}
